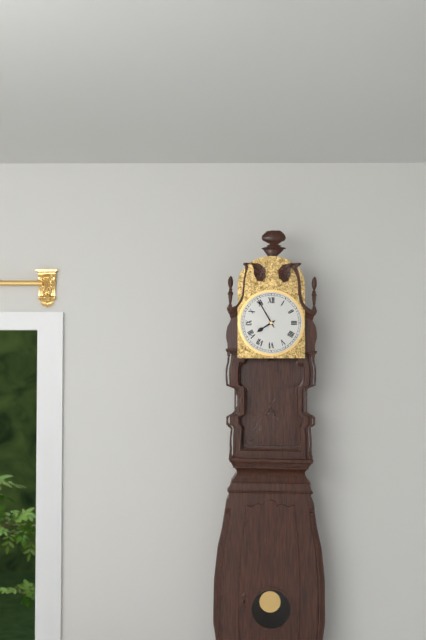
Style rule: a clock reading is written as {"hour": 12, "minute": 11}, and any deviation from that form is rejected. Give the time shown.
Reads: {"hour": 7, "minute": 55}
